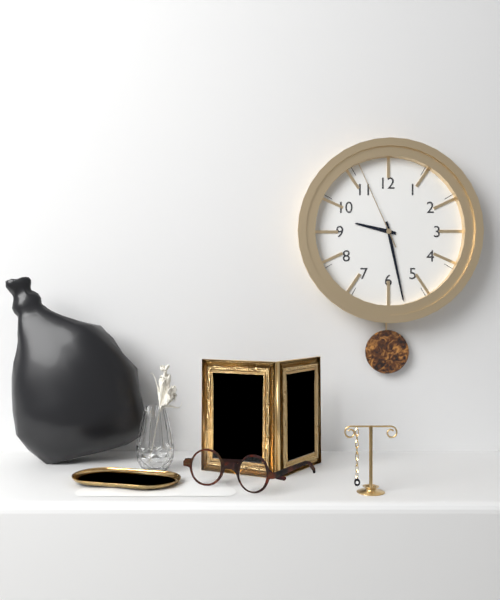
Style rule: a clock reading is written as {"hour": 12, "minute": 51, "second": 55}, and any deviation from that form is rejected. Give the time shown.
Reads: {"hour": 9, "minute": 28, "second": 56}
